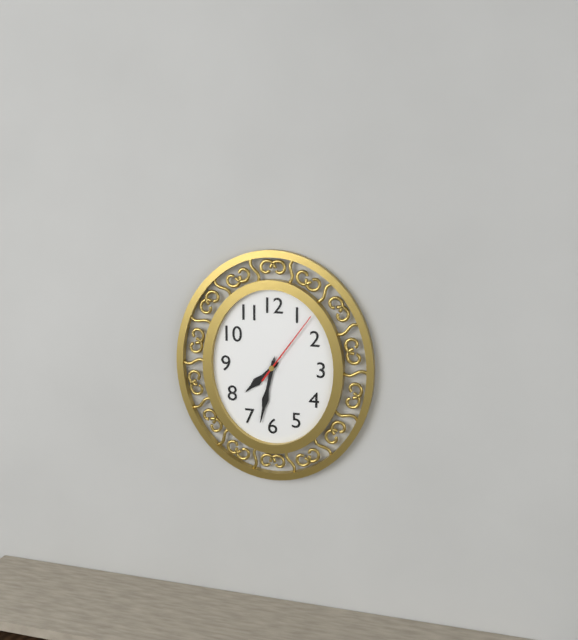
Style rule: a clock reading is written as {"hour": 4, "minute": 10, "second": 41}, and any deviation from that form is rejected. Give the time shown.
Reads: {"hour": 7, "minute": 32, "second": 6}
